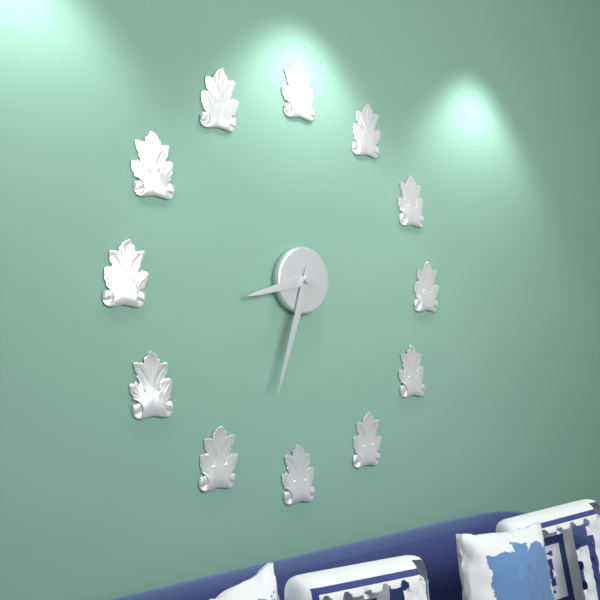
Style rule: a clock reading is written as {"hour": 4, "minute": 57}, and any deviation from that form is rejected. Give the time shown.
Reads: {"hour": 8, "minute": 33}
